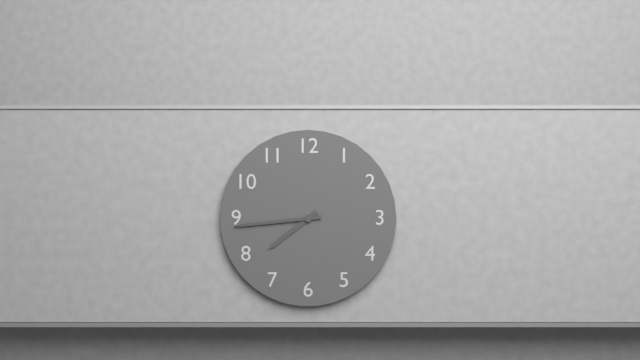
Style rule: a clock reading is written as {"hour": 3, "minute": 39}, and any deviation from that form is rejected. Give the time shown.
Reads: {"hour": 7, "minute": 44}
